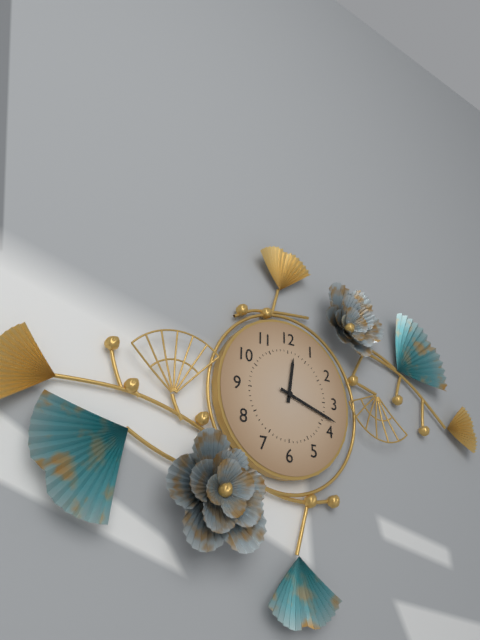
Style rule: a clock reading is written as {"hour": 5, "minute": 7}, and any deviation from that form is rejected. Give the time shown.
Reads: {"hour": 12, "minute": 18}
